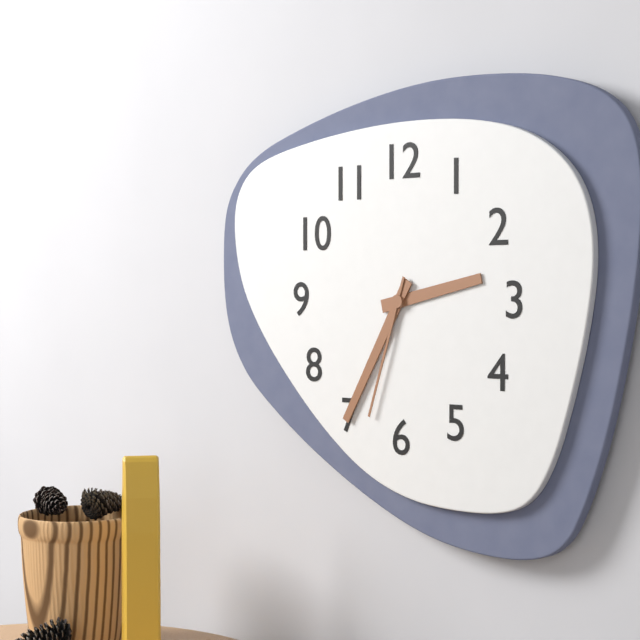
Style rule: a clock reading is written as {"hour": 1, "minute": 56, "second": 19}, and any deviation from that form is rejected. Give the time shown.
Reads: {"hour": 2, "minute": 35, "second": 33}
